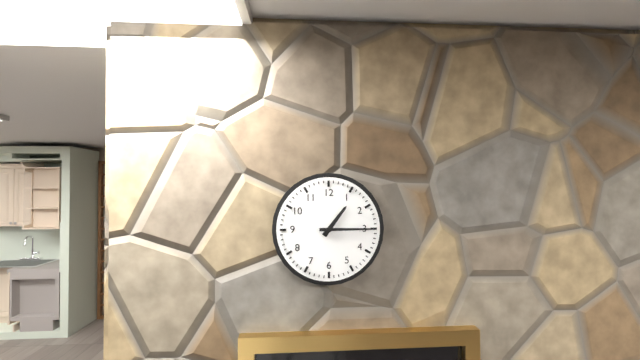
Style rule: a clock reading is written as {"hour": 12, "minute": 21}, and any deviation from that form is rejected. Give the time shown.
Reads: {"hour": 1, "minute": 15}
